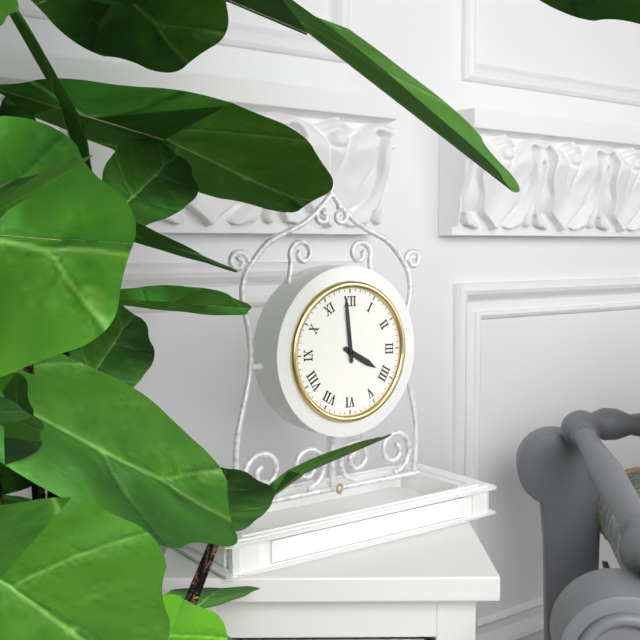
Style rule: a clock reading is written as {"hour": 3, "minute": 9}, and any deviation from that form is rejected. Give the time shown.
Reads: {"hour": 3, "minute": 59}
